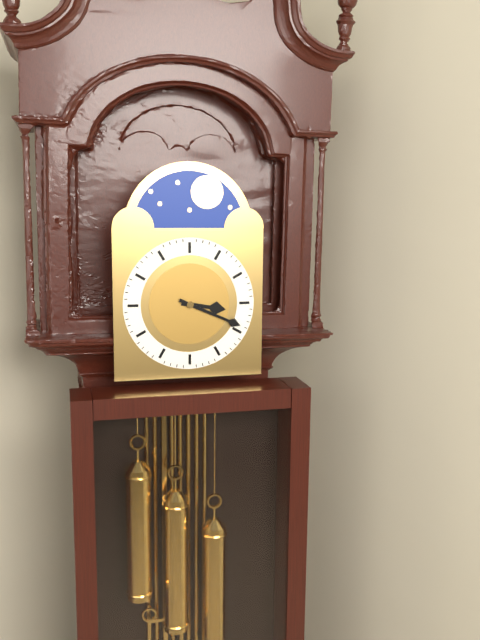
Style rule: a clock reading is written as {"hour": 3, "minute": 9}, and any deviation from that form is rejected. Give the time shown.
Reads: {"hour": 3, "minute": 19}
